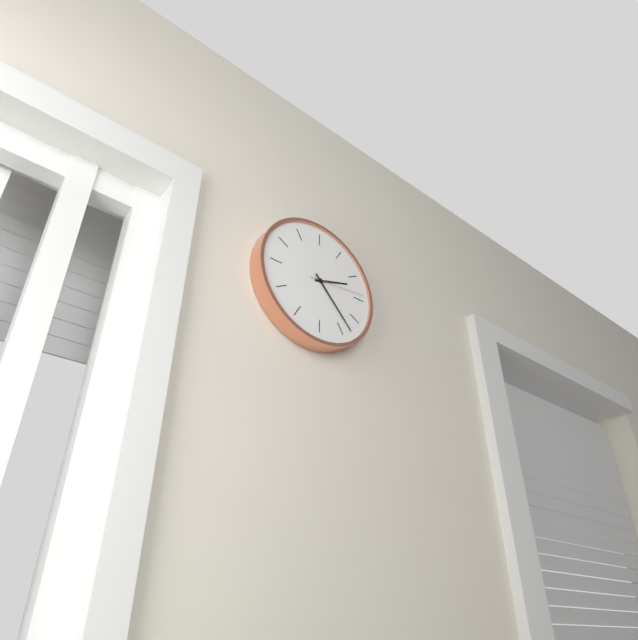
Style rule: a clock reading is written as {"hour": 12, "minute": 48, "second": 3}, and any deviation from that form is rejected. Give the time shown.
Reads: {"hour": 2, "minute": 23, "second": 14}
